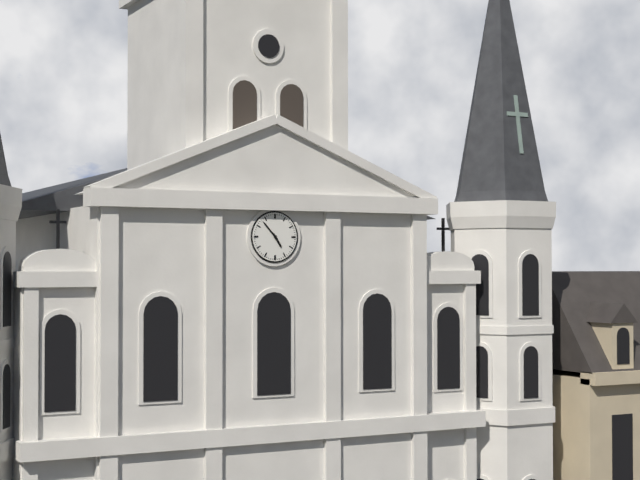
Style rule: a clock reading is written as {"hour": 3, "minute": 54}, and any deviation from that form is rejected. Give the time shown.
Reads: {"hour": 4, "minute": 53}
